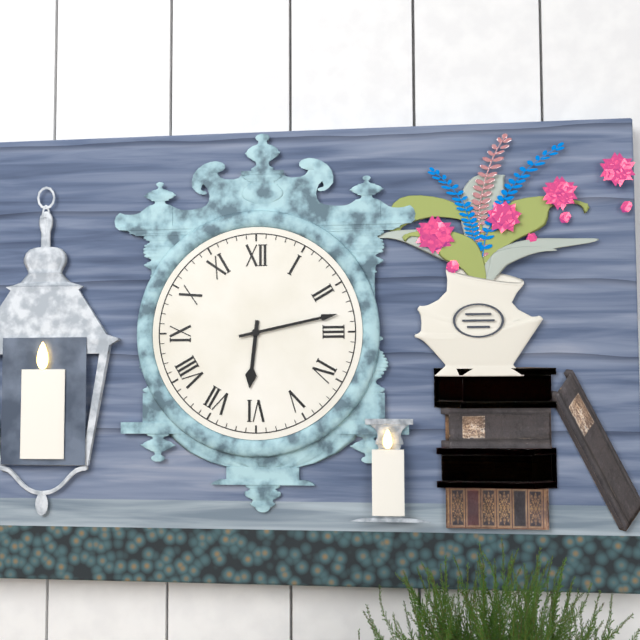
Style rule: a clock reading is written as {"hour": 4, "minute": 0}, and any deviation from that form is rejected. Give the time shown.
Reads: {"hour": 6, "minute": 13}
